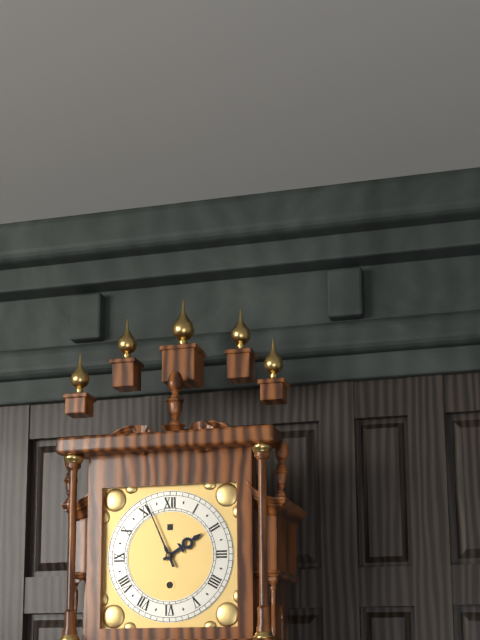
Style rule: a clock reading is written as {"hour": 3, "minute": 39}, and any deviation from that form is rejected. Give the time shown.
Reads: {"hour": 1, "minute": 56}
